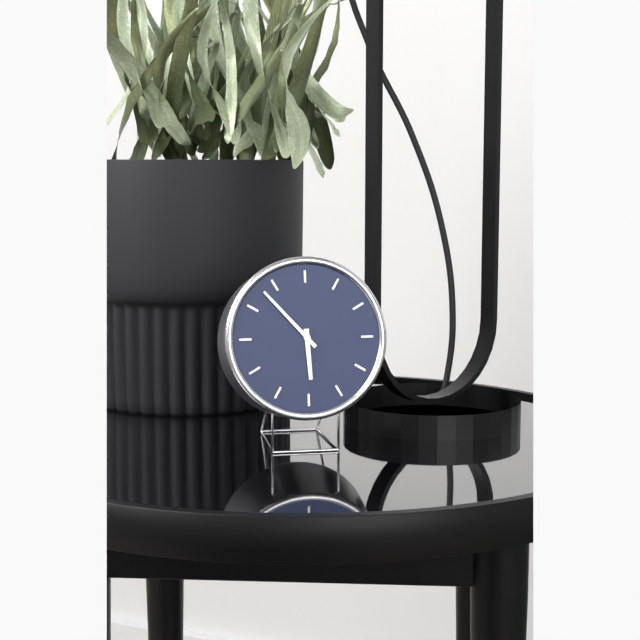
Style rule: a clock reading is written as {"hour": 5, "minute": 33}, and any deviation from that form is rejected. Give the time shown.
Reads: {"hour": 5, "minute": 53}
